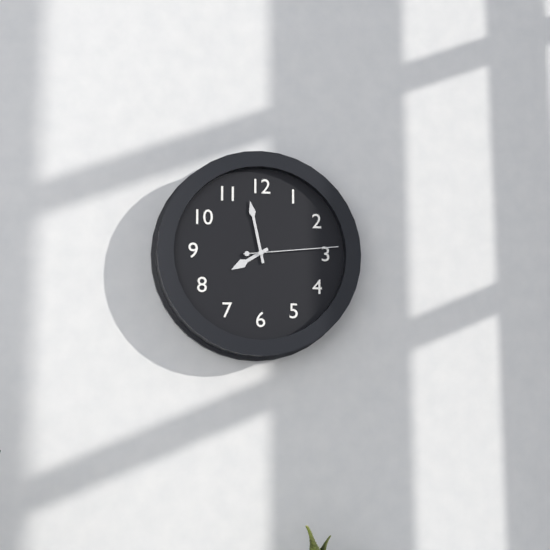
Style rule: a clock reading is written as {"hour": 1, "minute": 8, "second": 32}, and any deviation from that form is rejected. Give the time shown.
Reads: {"hour": 7, "minute": 58, "second": 14}
